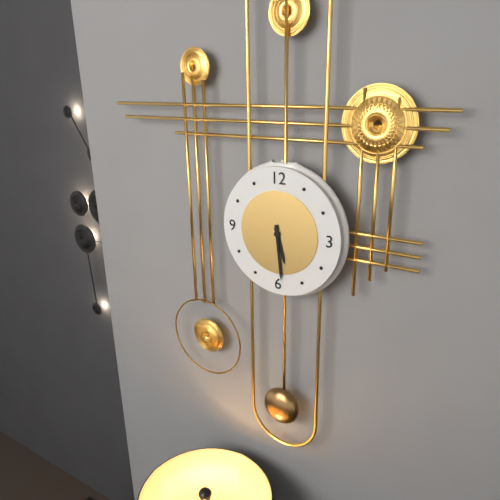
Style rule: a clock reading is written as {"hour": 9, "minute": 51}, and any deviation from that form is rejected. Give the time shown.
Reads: {"hour": 5, "minute": 29}
